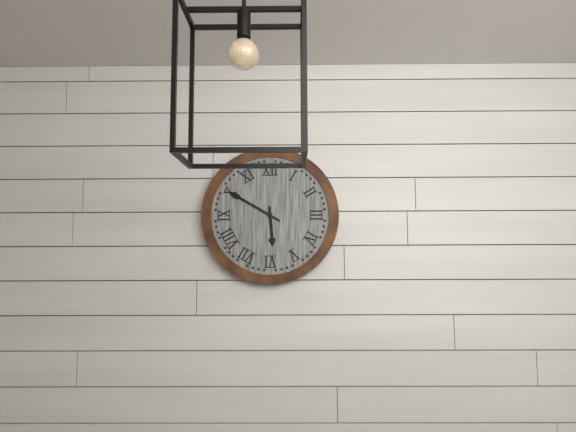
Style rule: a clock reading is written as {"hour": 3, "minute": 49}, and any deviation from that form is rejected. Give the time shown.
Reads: {"hour": 5, "minute": 50}
